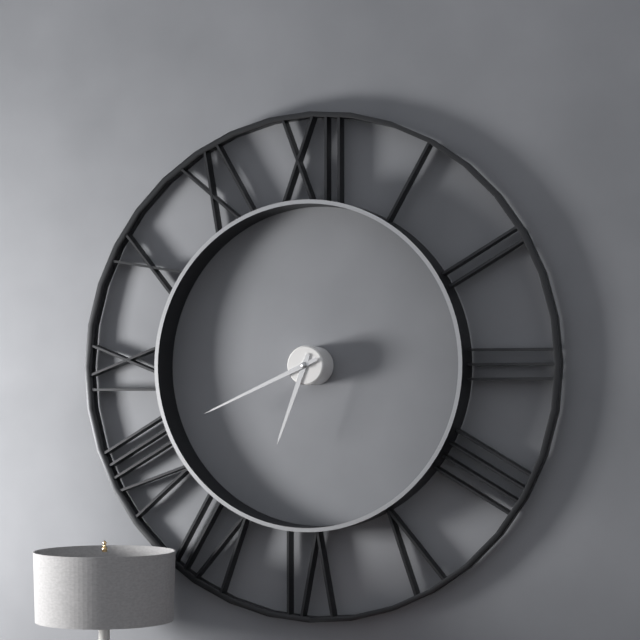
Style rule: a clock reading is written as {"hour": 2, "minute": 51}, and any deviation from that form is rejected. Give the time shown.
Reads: {"hour": 6, "minute": 41}
